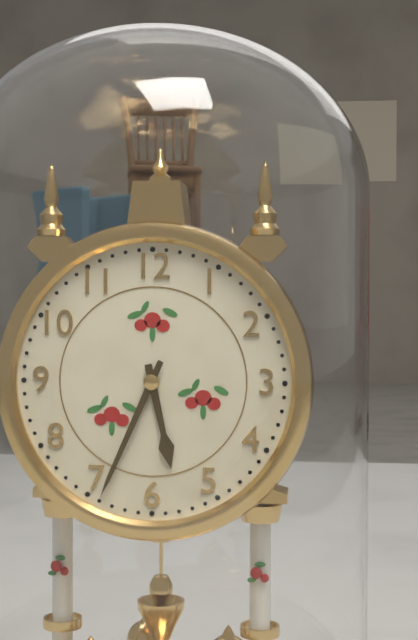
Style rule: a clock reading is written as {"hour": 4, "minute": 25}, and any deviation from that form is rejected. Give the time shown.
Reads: {"hour": 5, "minute": 34}
